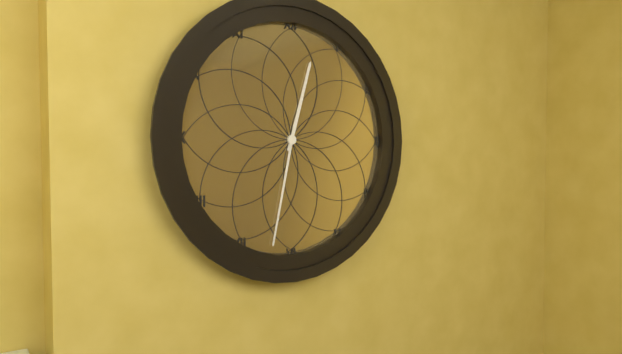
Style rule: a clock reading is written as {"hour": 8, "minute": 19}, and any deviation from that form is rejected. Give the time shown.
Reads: {"hour": 12, "minute": 32}
